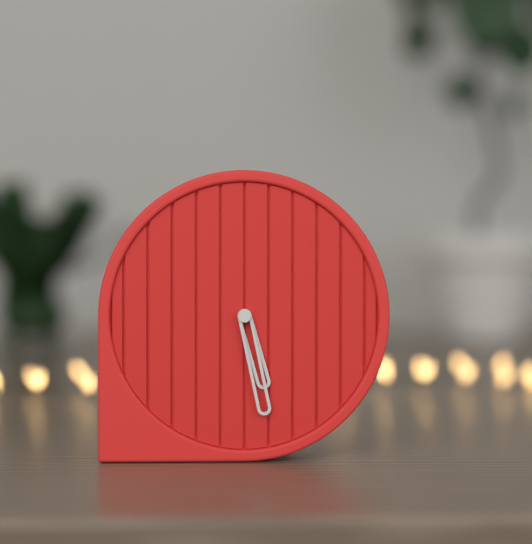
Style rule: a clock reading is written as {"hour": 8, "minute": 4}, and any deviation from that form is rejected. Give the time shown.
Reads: {"hour": 5, "minute": 28}
